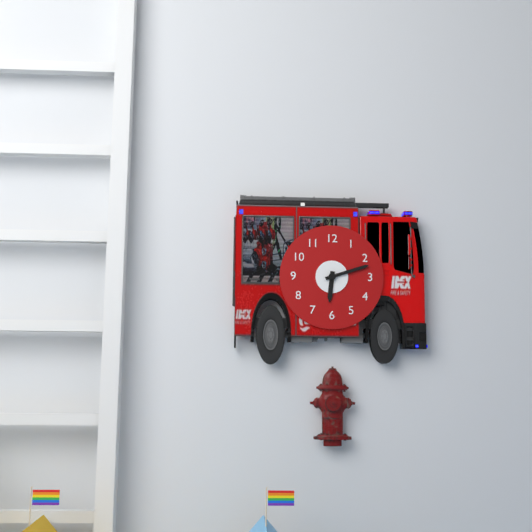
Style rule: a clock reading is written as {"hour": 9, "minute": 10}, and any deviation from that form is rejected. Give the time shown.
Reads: {"hour": 6, "minute": 12}
